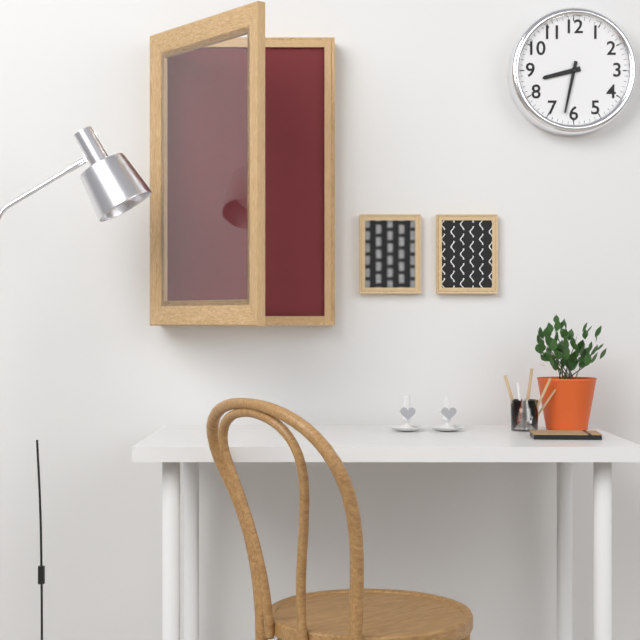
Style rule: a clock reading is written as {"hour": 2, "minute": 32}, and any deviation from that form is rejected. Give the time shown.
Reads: {"hour": 8, "minute": 32}
